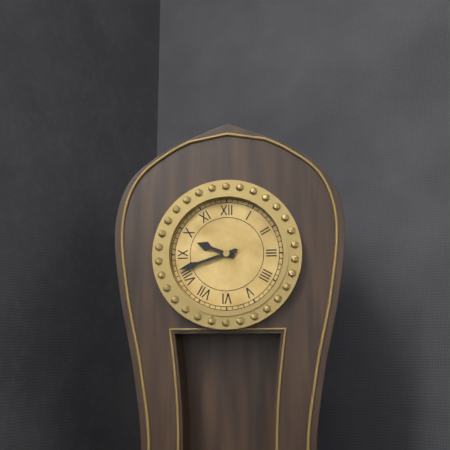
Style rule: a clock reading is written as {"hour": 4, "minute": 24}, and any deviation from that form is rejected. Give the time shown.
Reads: {"hour": 9, "minute": 42}
